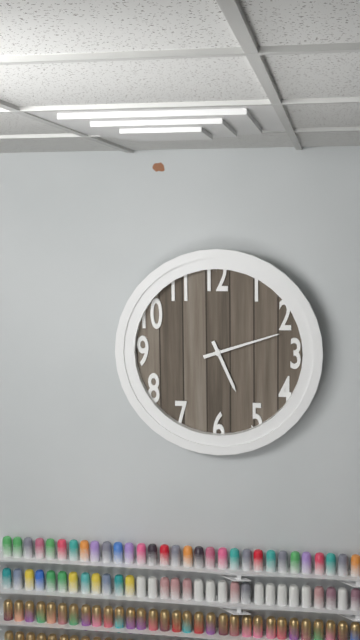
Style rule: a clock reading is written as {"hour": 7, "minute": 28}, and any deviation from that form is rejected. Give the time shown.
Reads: {"hour": 5, "minute": 12}
